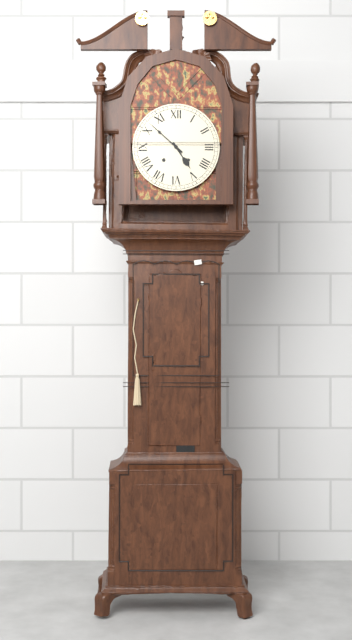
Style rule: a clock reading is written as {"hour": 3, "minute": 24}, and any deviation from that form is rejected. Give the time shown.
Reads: {"hour": 4, "minute": 52}
